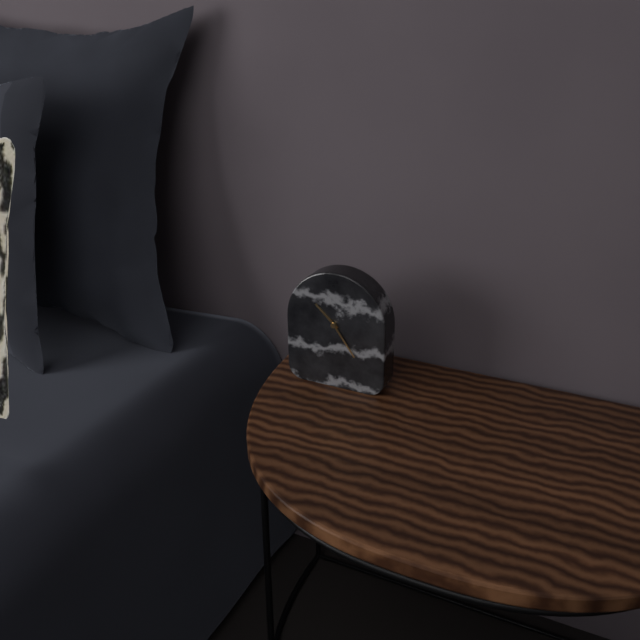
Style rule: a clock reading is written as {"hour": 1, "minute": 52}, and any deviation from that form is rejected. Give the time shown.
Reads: {"hour": 10, "minute": 24}
